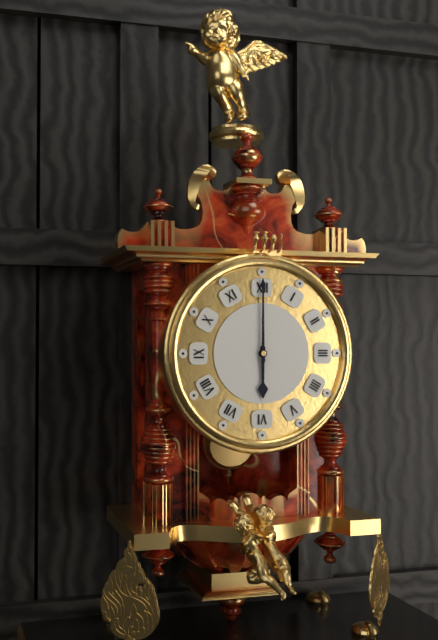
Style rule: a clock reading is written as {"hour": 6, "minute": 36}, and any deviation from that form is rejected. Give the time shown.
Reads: {"hour": 6, "minute": 0}
